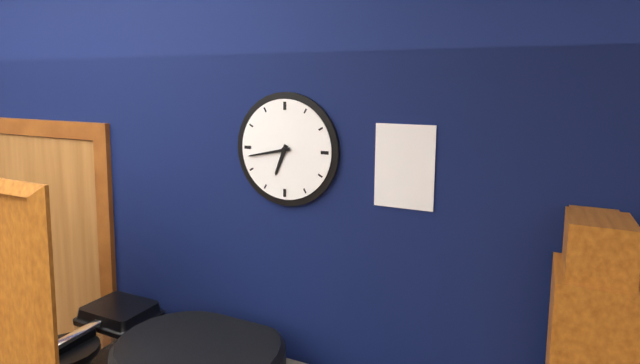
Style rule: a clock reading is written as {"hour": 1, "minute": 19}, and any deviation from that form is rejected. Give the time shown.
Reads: {"hour": 6, "minute": 43}
